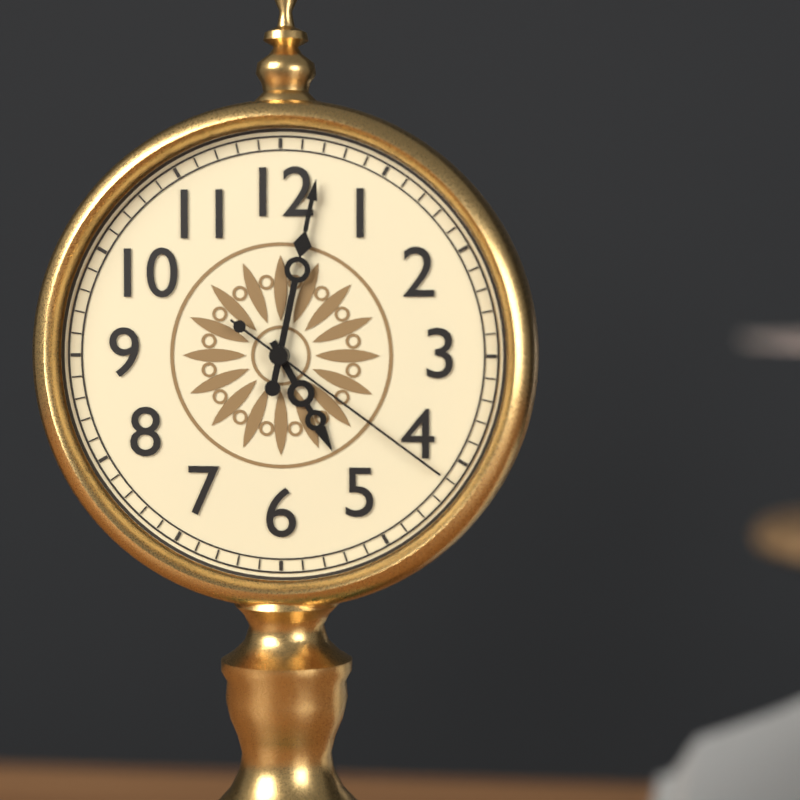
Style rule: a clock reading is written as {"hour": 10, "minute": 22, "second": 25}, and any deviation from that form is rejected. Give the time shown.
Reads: {"hour": 5, "minute": 2, "second": 21}
